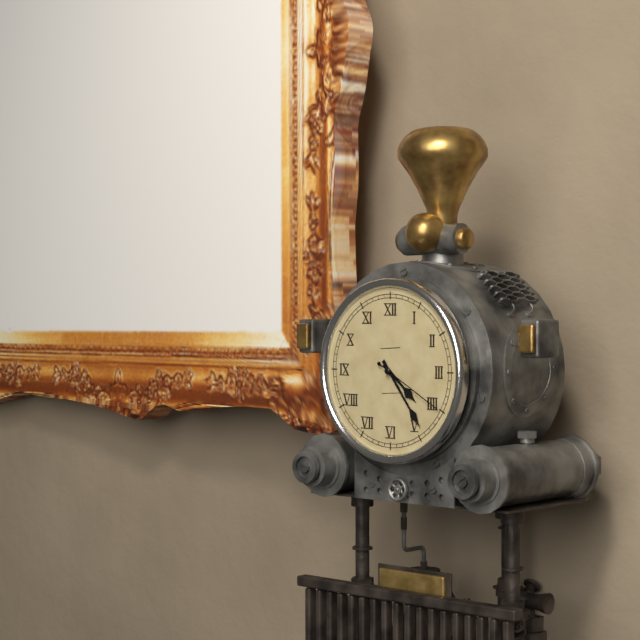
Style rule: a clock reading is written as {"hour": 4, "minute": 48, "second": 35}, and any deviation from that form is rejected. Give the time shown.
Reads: {"hour": 4, "minute": 24, "second": 20}
